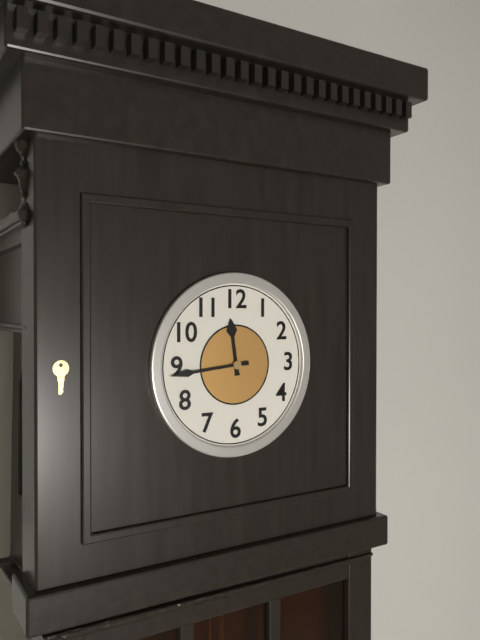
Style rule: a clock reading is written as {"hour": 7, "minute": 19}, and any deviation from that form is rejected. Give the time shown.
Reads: {"hour": 11, "minute": 44}
